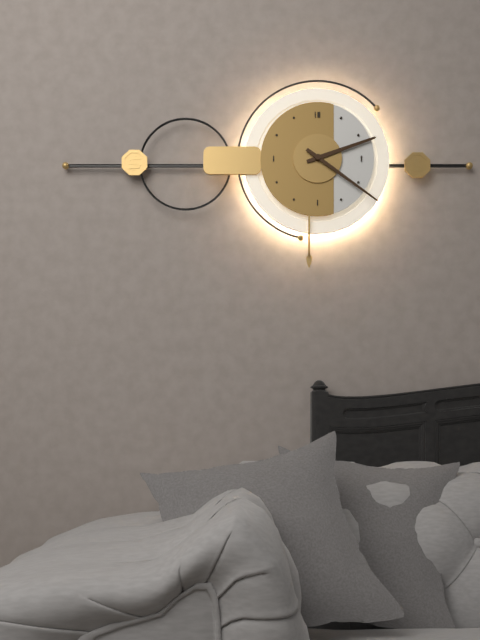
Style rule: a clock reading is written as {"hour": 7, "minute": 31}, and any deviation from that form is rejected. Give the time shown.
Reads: {"hour": 2, "minute": 21}
